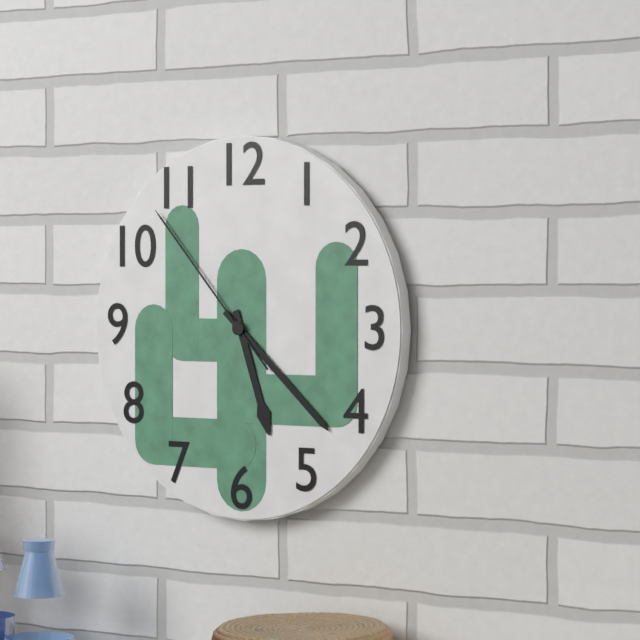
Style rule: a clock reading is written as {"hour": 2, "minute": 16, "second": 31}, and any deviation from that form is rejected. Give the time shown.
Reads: {"hour": 5, "minute": 22, "second": 53}
